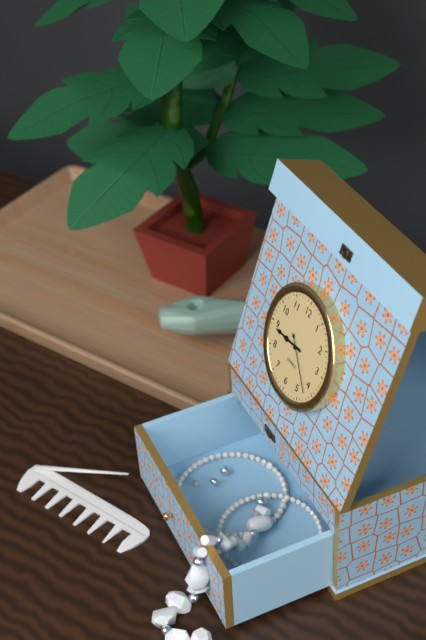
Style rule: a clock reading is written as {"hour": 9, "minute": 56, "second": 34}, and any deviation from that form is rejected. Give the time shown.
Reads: {"hour": 8, "minute": 44, "second": 22}
